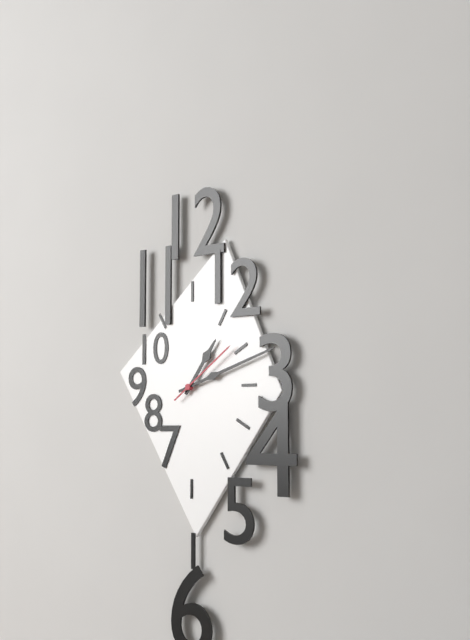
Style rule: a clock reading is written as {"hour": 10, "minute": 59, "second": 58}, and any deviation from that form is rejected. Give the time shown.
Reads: {"hour": 1, "minute": 12, "second": 9}
